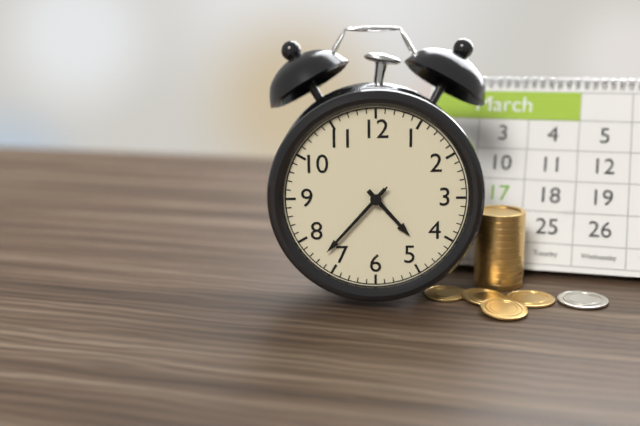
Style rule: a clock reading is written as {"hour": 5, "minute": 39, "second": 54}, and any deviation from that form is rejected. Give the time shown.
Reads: {"hour": 4, "minute": 37, "second": 37}
